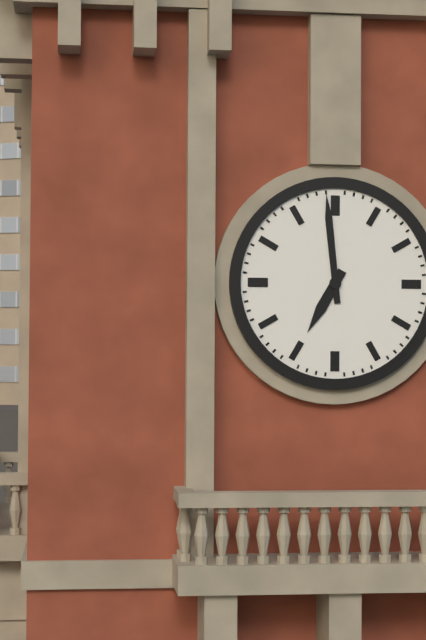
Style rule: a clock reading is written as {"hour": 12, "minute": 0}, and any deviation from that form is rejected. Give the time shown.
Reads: {"hour": 6, "minute": 59}
